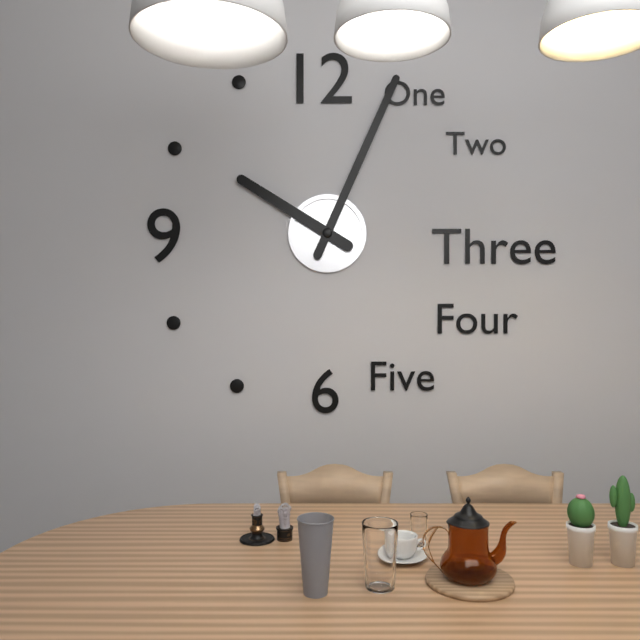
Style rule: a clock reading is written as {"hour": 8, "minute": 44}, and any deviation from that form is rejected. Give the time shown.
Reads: {"hour": 10, "minute": 4}
